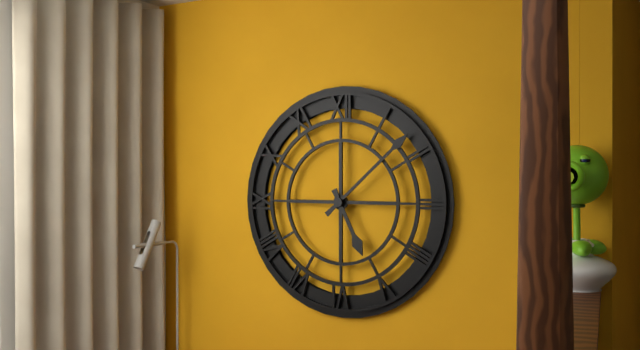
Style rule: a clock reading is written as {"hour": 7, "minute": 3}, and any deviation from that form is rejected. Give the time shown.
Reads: {"hour": 5, "minute": 8}
